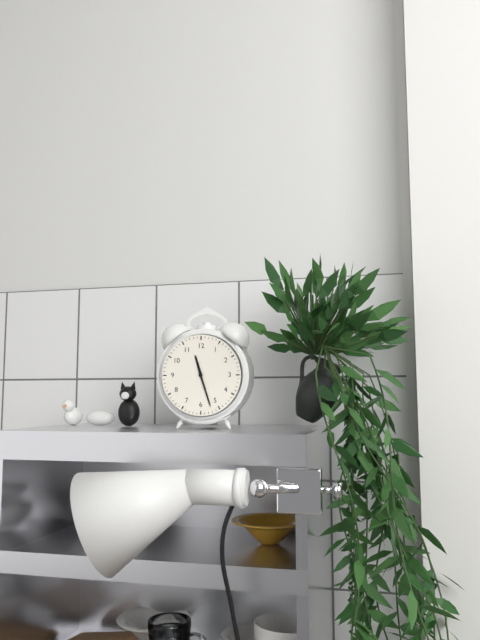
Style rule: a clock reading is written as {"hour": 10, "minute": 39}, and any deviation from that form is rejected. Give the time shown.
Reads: {"hour": 11, "minute": 27}
